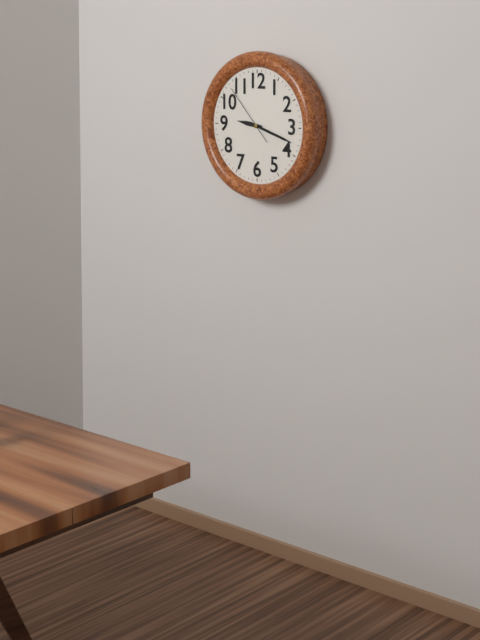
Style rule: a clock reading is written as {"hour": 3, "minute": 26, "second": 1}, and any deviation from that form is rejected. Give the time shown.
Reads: {"hour": 9, "minute": 18, "second": 53}
